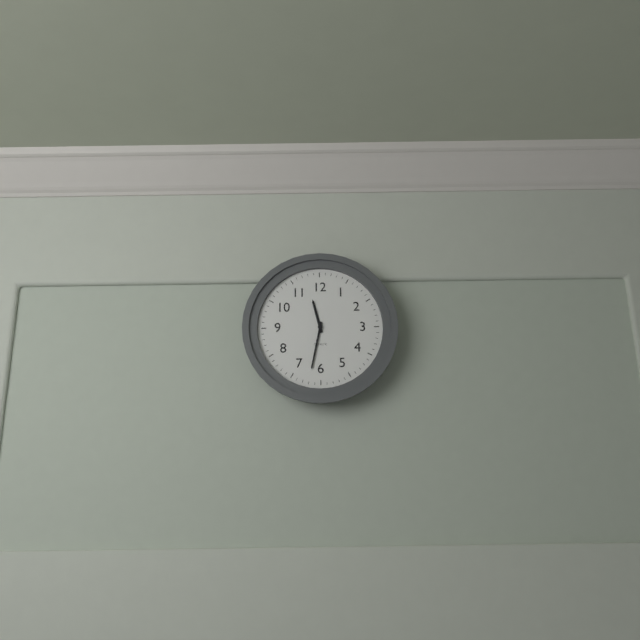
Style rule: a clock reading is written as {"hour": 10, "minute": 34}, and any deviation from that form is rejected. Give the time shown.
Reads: {"hour": 11, "minute": 32}
